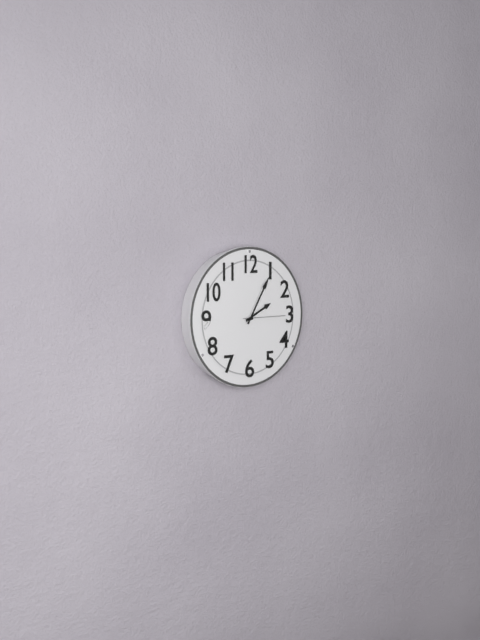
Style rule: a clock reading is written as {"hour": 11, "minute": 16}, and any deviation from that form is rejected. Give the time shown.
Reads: {"hour": 2, "minute": 5}
